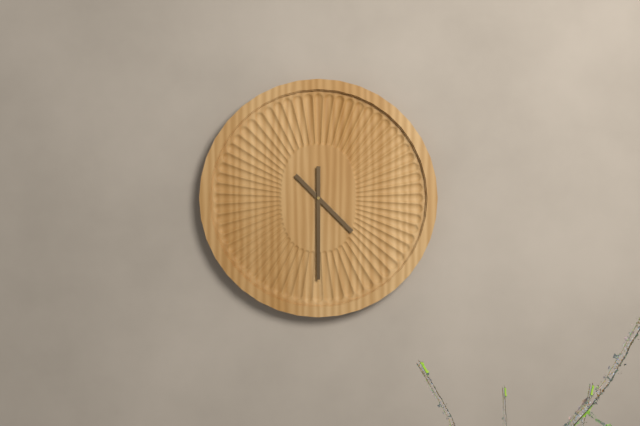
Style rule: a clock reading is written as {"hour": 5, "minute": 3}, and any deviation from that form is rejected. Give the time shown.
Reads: {"hour": 4, "minute": 30}
